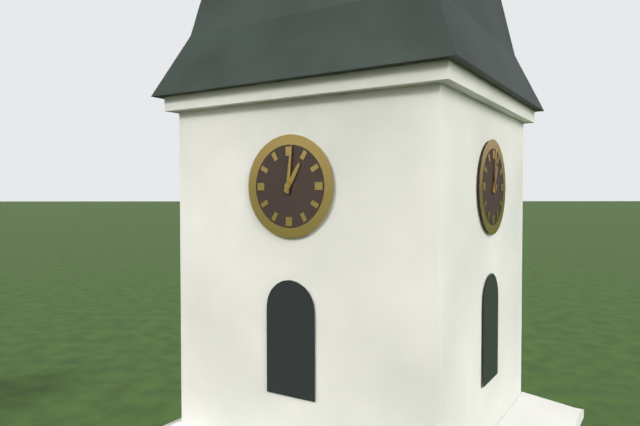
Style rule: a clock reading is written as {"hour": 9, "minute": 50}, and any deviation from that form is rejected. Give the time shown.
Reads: {"hour": 1, "minute": 1}
